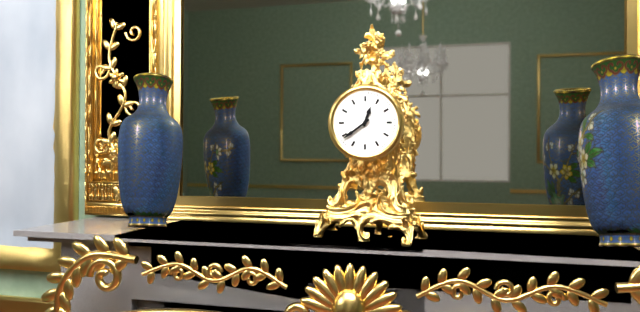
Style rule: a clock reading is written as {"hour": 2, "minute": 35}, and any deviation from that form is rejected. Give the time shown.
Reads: {"hour": 12, "minute": 39}
